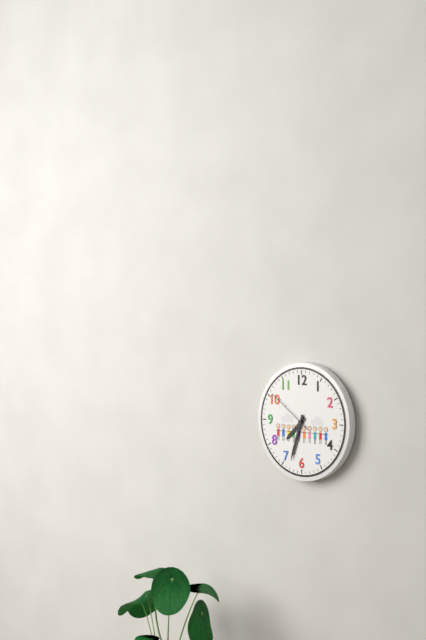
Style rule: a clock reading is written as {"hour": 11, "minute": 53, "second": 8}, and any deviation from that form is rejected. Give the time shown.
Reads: {"hour": 7, "minute": 33, "second": 51}
